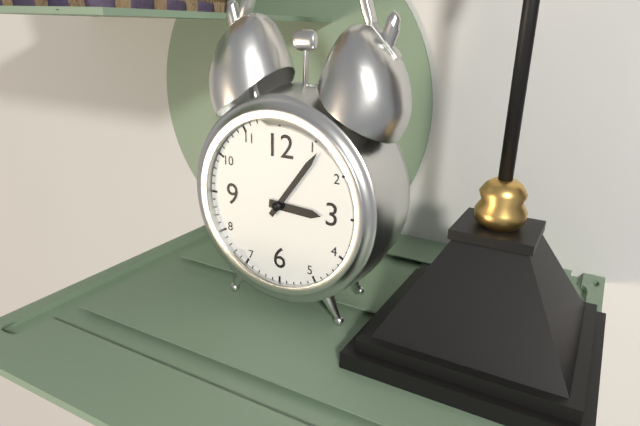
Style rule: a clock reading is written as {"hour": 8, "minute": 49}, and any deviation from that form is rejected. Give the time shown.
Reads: {"hour": 3, "minute": 6}
